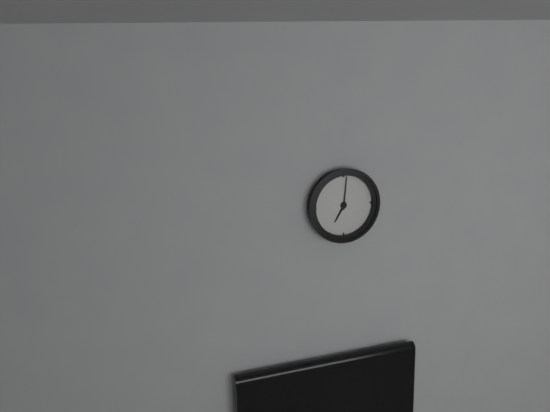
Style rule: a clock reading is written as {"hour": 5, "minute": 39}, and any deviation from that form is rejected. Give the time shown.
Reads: {"hour": 7, "minute": 1}
